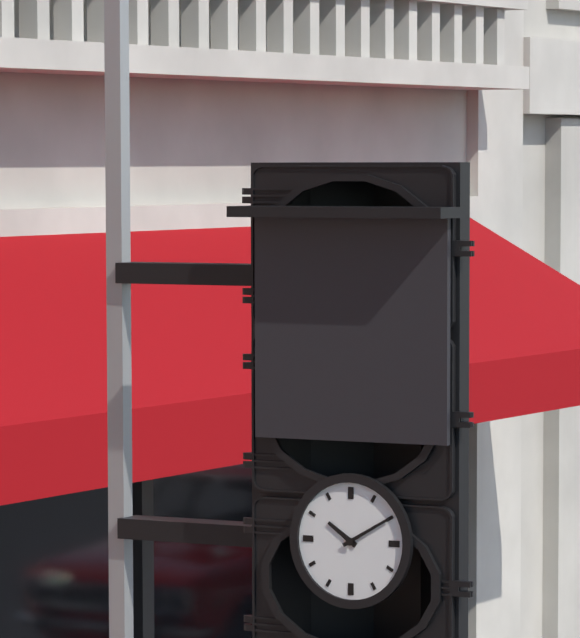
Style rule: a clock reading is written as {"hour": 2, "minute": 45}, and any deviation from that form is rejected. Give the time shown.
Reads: {"hour": 10, "minute": 10}
